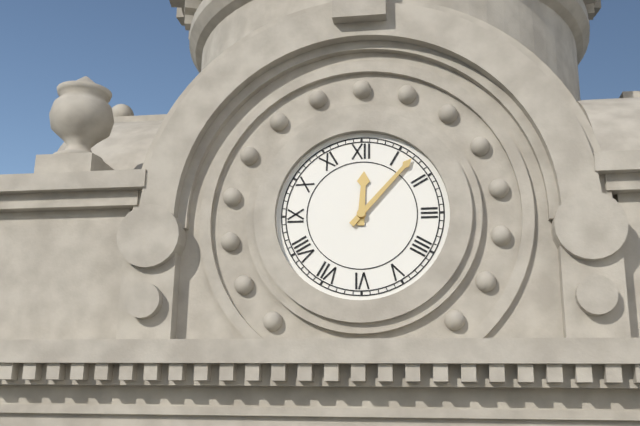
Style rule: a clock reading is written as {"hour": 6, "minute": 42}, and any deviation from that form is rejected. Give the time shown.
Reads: {"hour": 12, "minute": 7}
